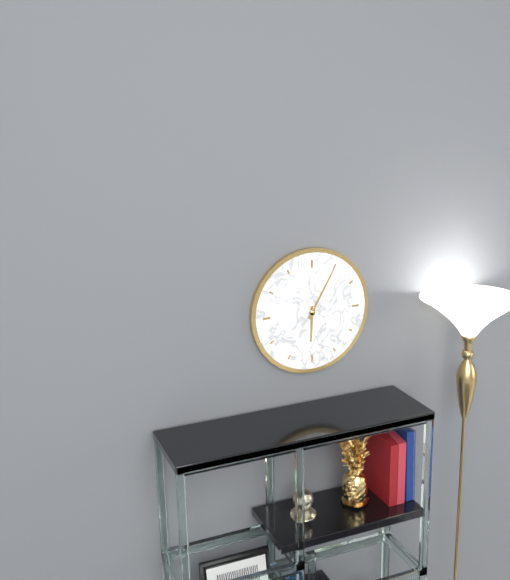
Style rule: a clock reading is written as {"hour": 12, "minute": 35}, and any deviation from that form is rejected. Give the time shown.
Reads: {"hour": 6, "minute": 5}
